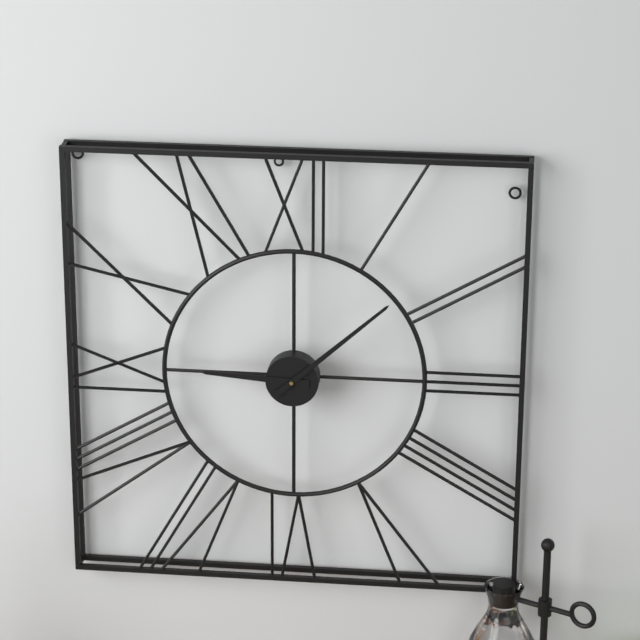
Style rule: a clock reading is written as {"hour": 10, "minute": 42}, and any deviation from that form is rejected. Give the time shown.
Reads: {"hour": 9, "minute": 8}
